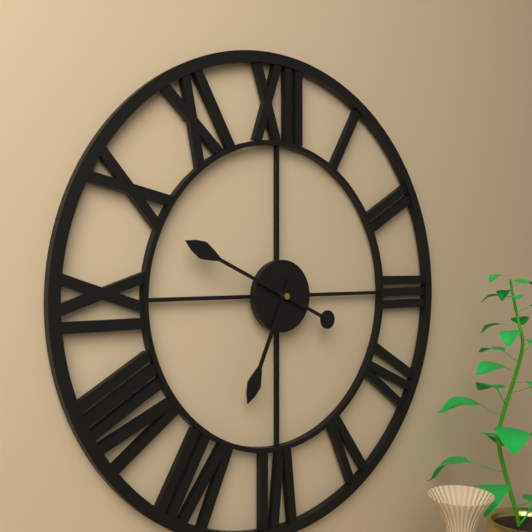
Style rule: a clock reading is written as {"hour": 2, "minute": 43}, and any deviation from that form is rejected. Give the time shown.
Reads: {"hour": 6, "minute": 49}
